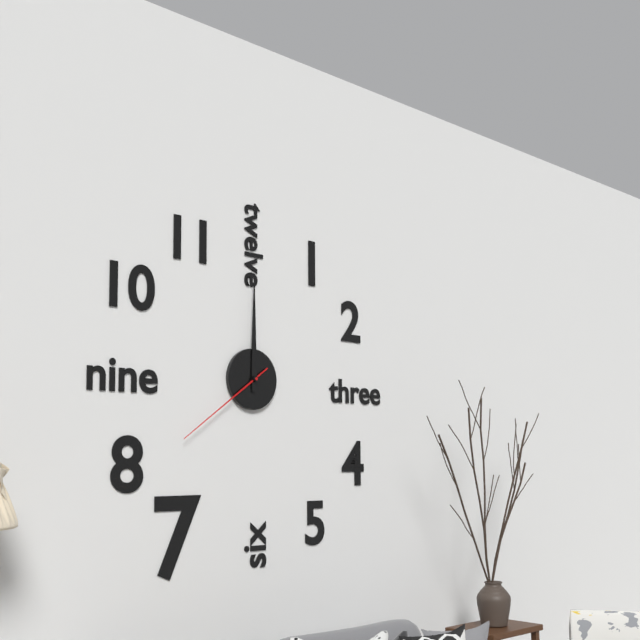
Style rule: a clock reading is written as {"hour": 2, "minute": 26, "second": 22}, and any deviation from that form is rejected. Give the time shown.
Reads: {"hour": 12, "minute": 0, "second": 39}
